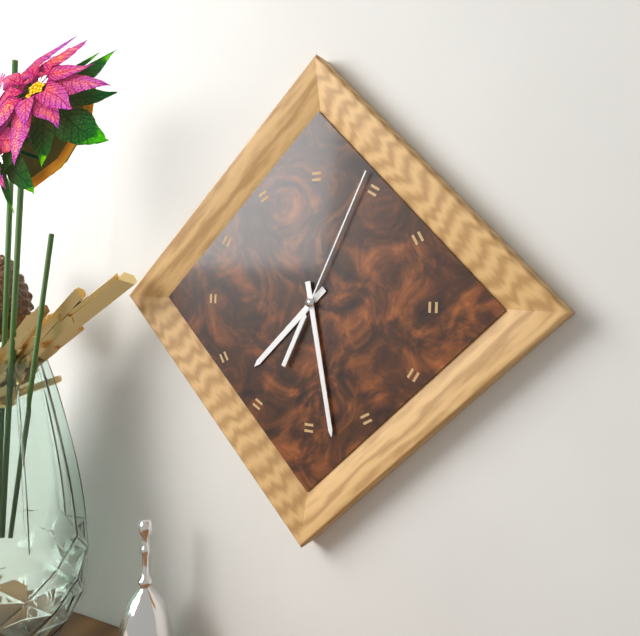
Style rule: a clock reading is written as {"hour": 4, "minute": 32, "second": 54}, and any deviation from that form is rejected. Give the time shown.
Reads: {"hour": 7, "minute": 28, "second": 4}
